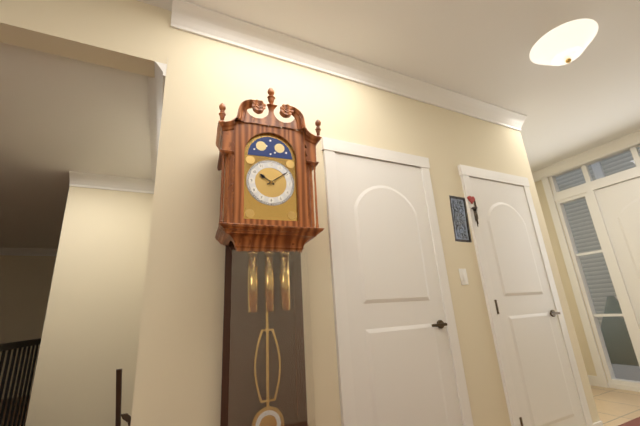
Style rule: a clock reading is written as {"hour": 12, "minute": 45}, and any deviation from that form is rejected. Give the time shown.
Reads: {"hour": 10, "minute": 9}
